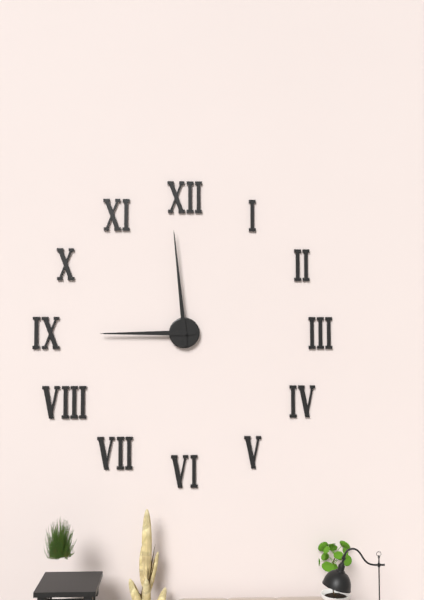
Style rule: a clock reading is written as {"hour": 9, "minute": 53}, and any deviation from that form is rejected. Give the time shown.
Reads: {"hour": 8, "minute": 59}
